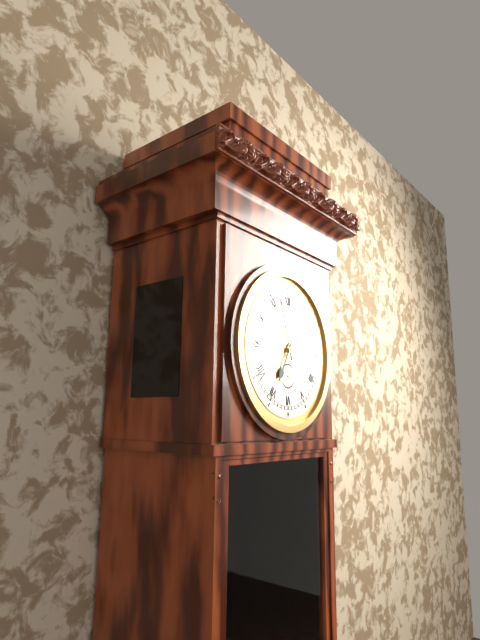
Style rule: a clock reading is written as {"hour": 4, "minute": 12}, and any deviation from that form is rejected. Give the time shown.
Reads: {"hour": 6, "minute": 57}
